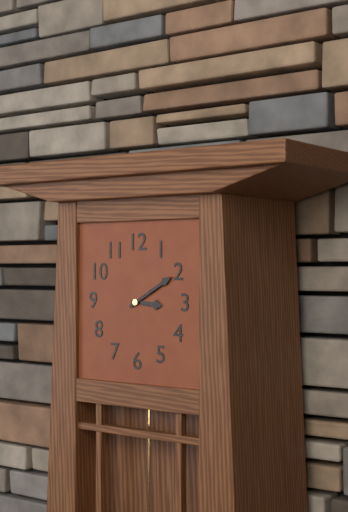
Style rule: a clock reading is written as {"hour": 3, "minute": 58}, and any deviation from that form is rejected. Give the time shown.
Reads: {"hour": 3, "minute": 10}
